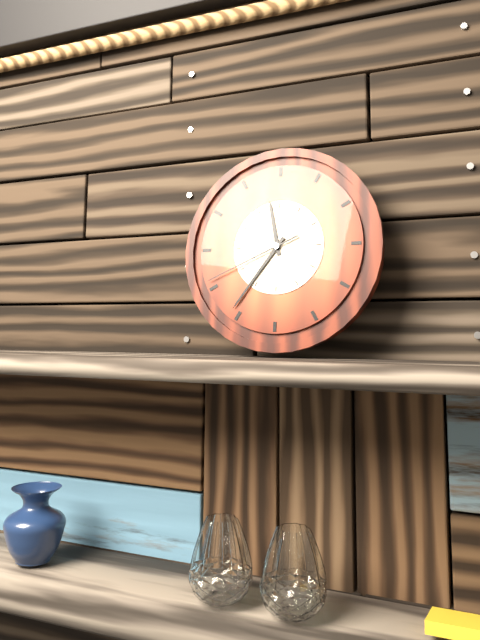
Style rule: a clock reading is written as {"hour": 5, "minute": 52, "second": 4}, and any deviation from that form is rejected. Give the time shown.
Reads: {"hour": 11, "minute": 36, "second": 41}
